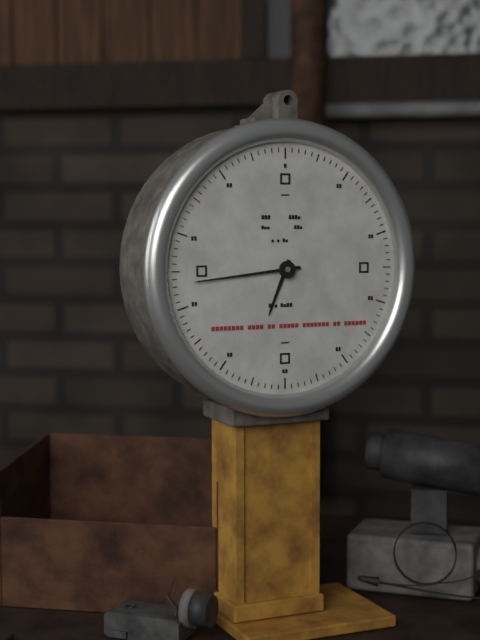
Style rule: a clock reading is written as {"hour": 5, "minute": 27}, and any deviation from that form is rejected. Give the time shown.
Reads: {"hour": 6, "minute": 44}
